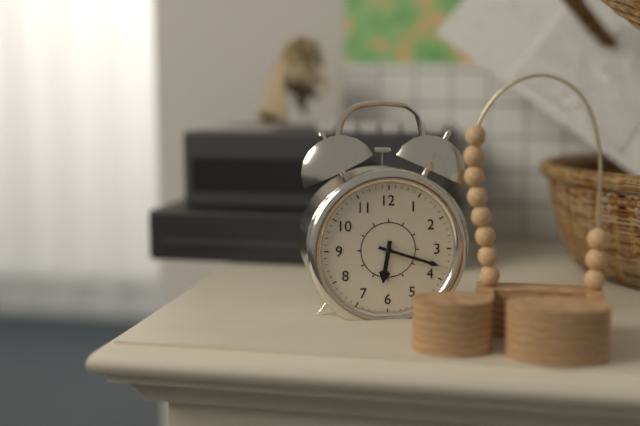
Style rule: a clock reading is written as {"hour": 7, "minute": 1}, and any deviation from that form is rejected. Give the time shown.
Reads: {"hour": 6, "minute": 18}
